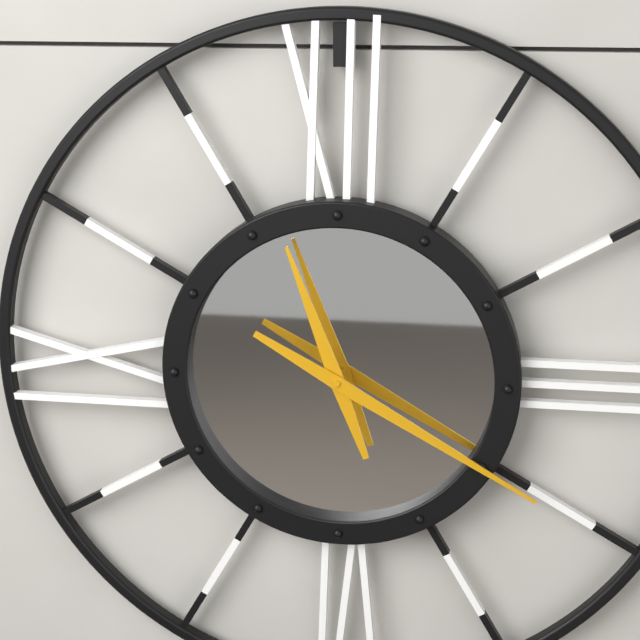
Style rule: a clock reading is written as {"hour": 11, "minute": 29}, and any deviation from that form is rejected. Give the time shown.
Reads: {"hour": 11, "minute": 20}
